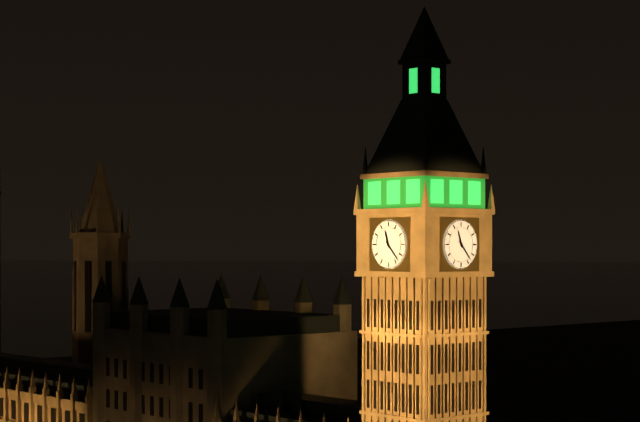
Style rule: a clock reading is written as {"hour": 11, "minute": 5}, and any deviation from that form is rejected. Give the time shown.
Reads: {"hour": 11, "minute": 23}
